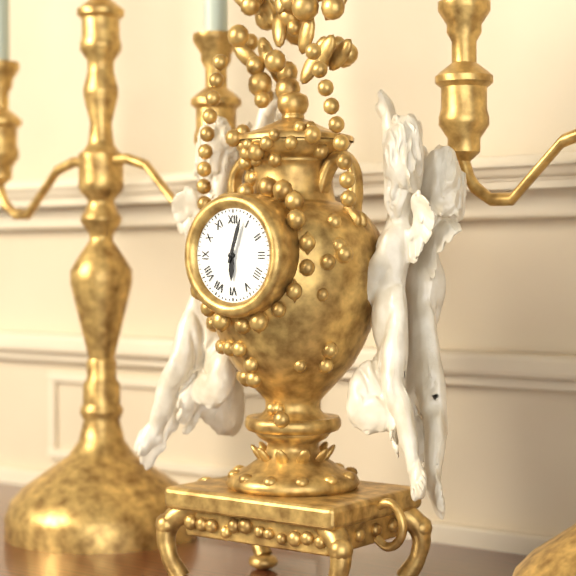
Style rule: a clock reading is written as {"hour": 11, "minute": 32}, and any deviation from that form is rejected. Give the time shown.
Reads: {"hour": 6, "minute": 3}
